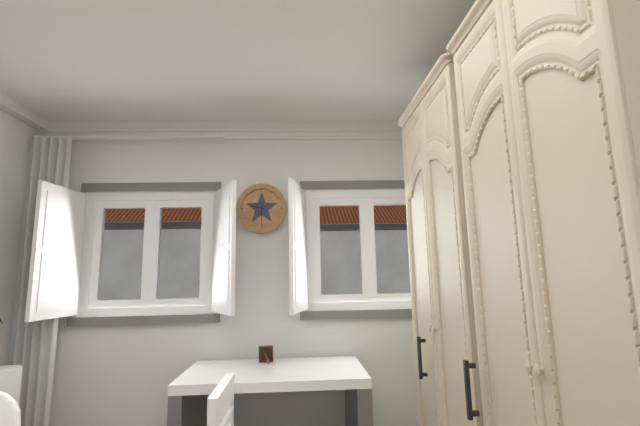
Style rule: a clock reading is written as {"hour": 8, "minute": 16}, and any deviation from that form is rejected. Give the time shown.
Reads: {"hour": 9, "minute": 30}
